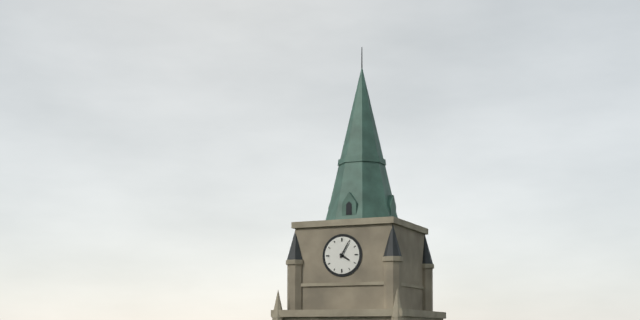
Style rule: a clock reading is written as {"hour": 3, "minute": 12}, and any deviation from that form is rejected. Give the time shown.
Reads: {"hour": 4, "minute": 5}
